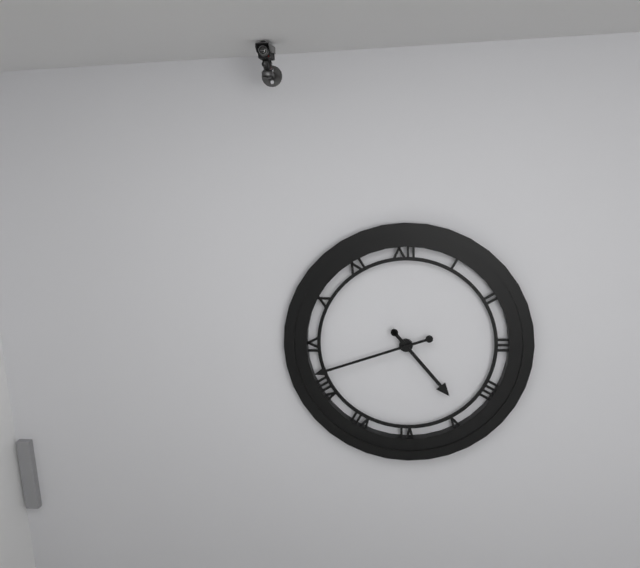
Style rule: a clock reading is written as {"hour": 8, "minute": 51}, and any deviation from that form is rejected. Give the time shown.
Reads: {"hour": 4, "minute": 42}
